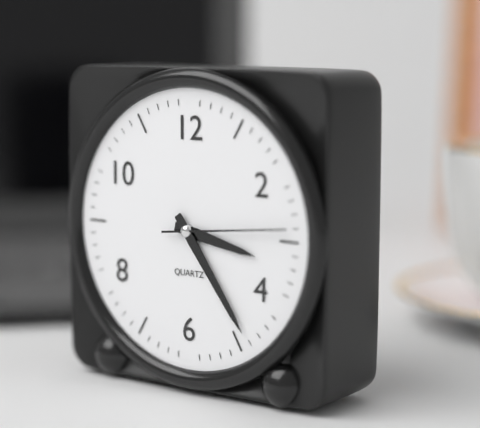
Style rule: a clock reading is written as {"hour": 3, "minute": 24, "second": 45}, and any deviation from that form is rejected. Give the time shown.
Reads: {"hour": 3, "minute": 24, "second": 14}
